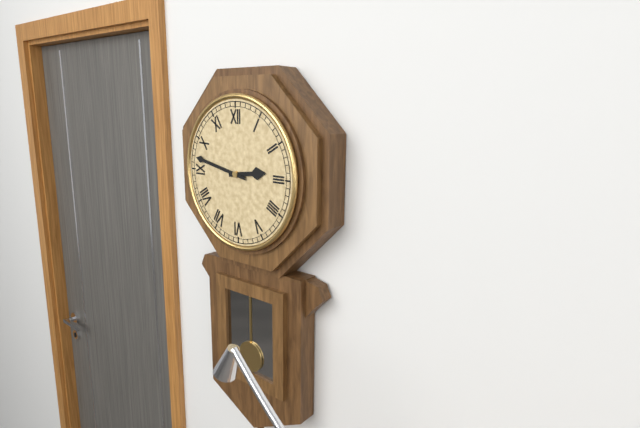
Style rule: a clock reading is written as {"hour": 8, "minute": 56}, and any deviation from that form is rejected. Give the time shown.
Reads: {"hour": 2, "minute": 47}
